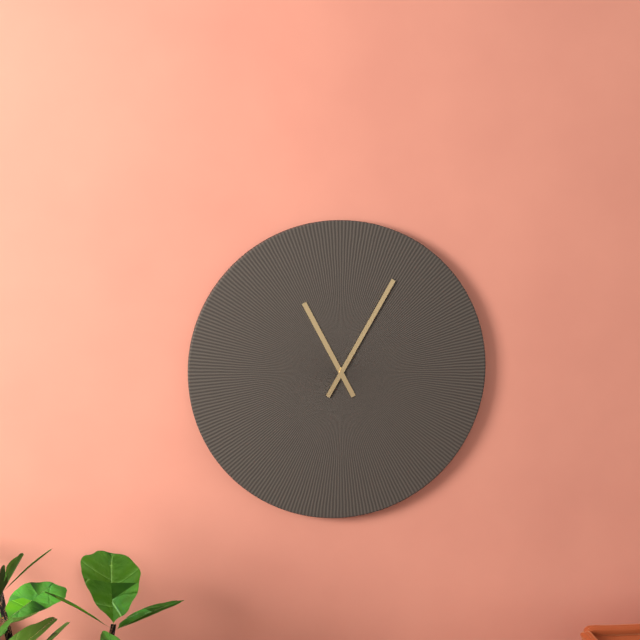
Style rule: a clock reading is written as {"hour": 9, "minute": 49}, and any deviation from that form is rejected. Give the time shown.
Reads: {"hour": 11, "minute": 5}
